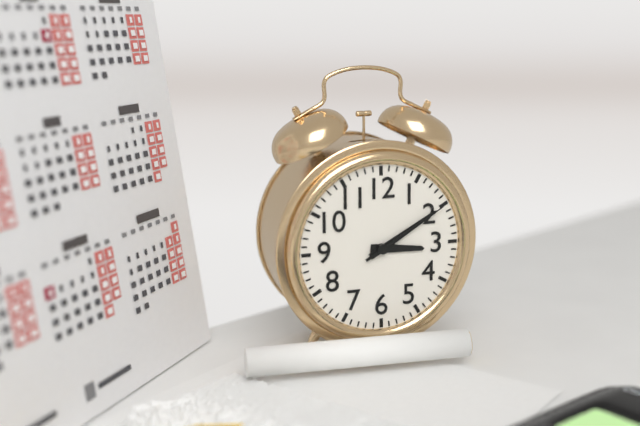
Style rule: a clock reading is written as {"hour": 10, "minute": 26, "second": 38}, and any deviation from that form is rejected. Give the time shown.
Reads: {"hour": 3, "minute": 10, "second": 10}
